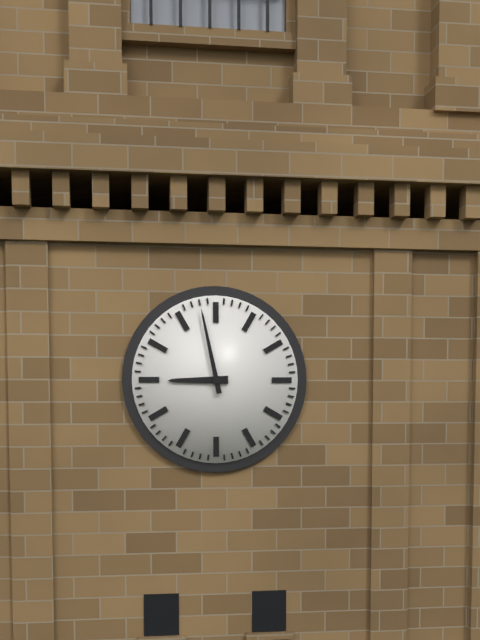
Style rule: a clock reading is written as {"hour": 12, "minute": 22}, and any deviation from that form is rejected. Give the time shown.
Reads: {"hour": 8, "minute": 58}
